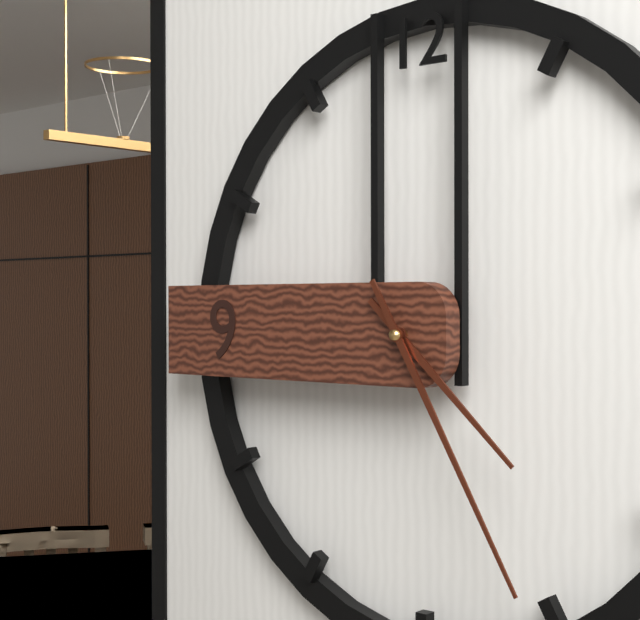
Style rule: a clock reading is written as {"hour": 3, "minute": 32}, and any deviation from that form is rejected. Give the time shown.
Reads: {"hour": 4, "minute": 25}
